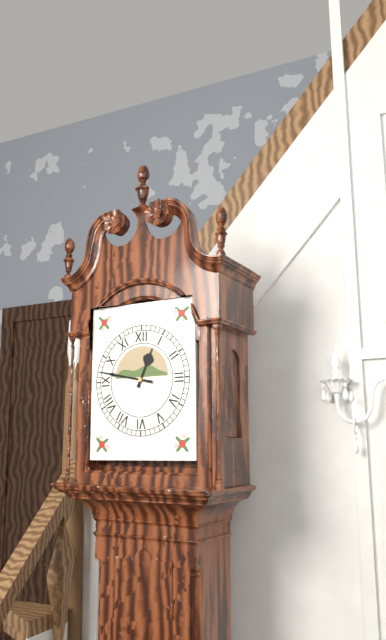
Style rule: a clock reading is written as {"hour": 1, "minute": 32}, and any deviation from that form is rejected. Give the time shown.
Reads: {"hour": 12, "minute": 47}
